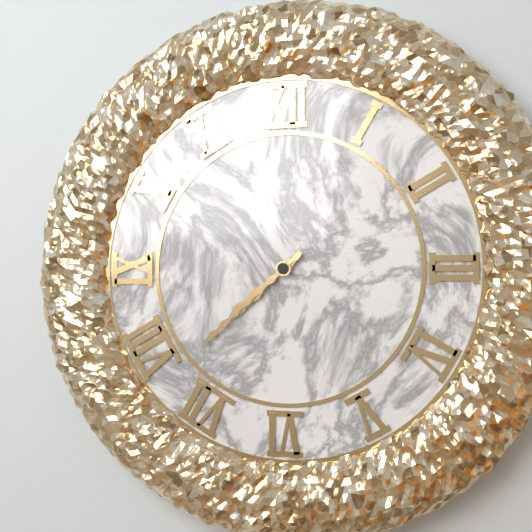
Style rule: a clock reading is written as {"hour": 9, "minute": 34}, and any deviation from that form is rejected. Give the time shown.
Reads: {"hour": 7, "minute": 38}
